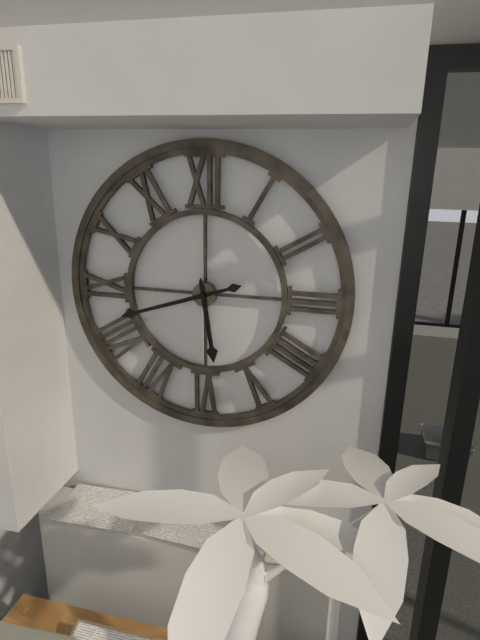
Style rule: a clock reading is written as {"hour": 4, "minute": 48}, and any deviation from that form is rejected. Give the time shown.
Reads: {"hour": 5, "minute": 42}
